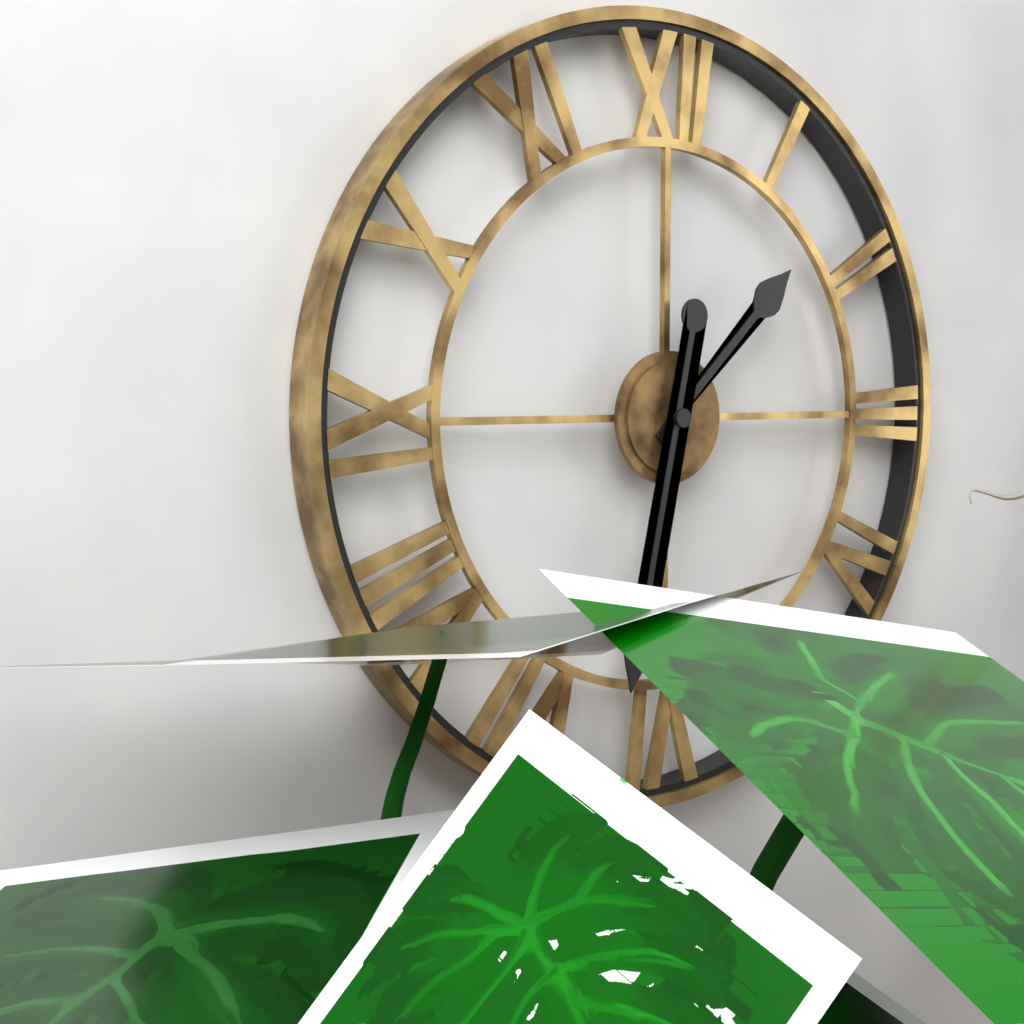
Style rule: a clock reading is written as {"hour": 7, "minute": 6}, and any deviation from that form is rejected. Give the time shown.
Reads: {"hour": 1, "minute": 32}
